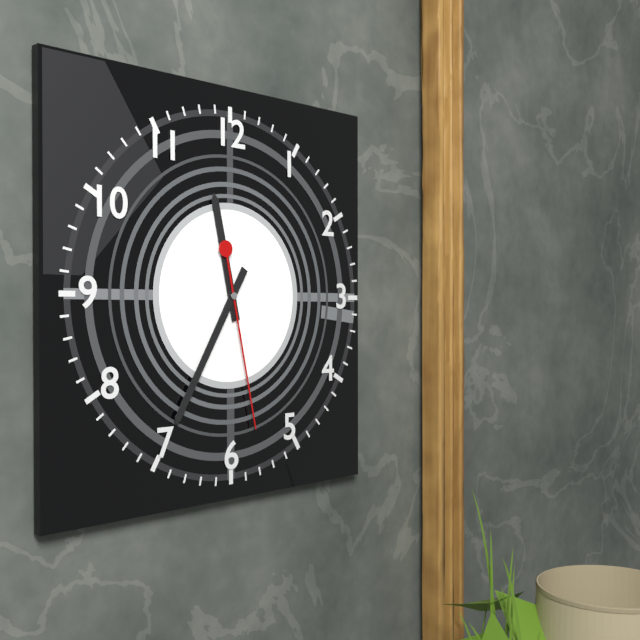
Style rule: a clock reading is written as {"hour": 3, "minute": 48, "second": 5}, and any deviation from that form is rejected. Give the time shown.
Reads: {"hour": 11, "minute": 35, "second": 28}
